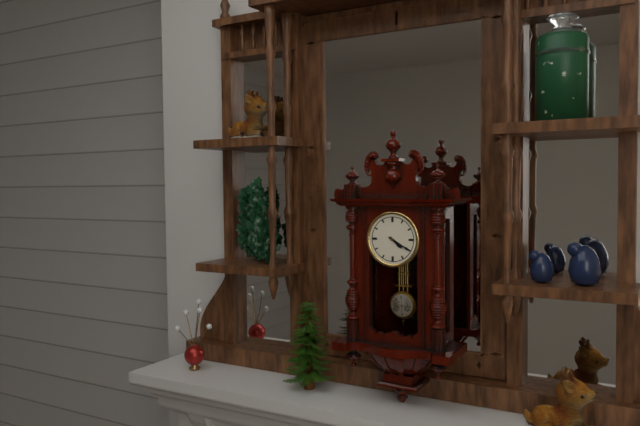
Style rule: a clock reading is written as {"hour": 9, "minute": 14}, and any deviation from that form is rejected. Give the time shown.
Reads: {"hour": 4, "minute": 20}
